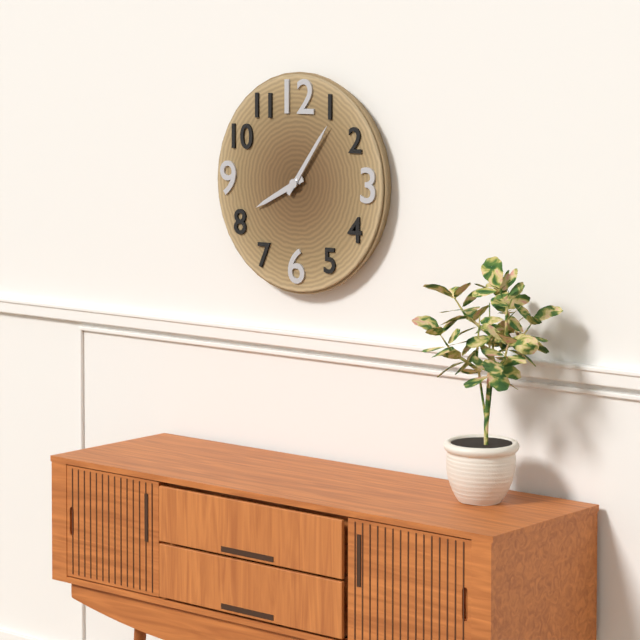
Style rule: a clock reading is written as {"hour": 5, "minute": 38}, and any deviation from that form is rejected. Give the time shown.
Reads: {"hour": 8, "minute": 6}
